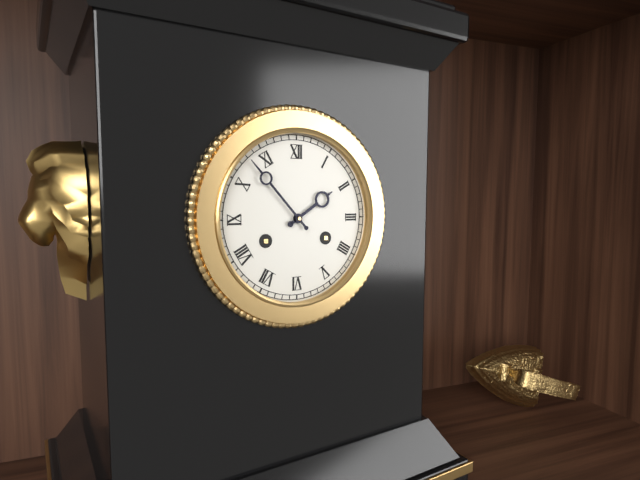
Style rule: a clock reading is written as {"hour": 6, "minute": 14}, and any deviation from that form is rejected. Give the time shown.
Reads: {"hour": 1, "minute": 53}
